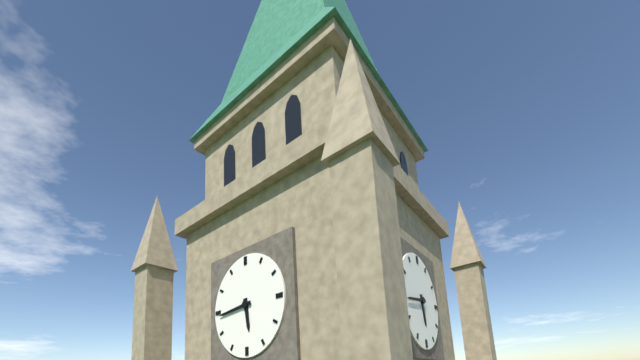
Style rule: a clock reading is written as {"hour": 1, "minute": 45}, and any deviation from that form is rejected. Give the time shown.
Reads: {"hour": 5, "minute": 44}
